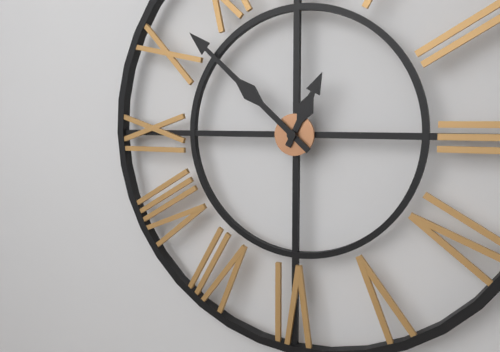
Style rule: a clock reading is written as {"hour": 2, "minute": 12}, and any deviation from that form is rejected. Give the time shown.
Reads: {"hour": 12, "minute": 52}
